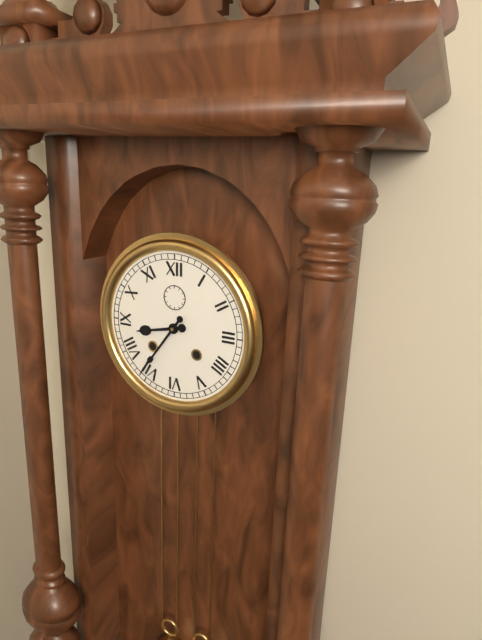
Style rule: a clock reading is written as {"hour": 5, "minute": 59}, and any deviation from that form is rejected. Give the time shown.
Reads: {"hour": 8, "minute": 36}
